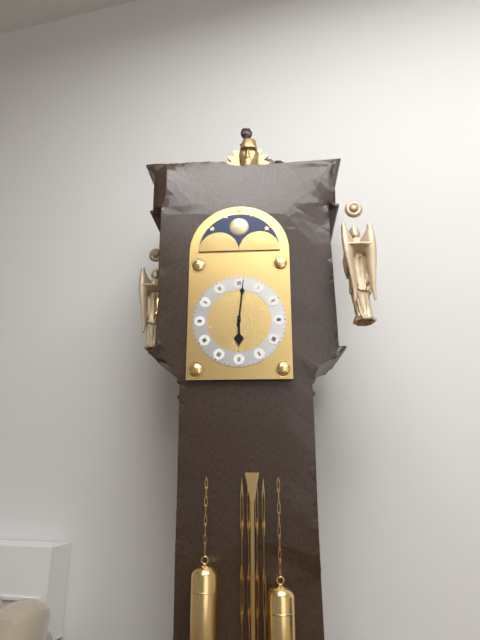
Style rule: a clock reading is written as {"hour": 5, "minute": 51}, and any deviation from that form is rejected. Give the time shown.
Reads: {"hour": 6, "minute": 1}
